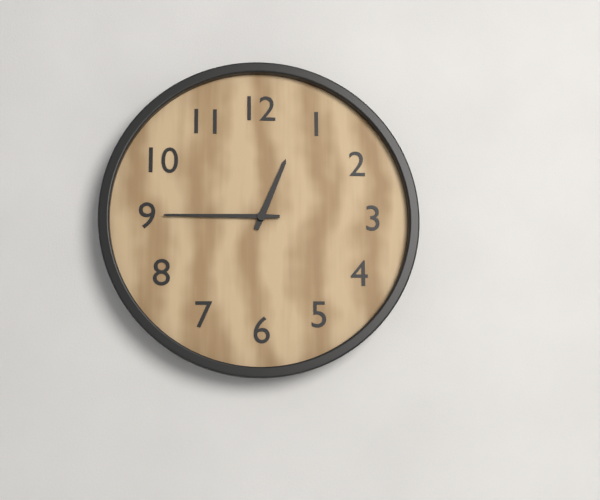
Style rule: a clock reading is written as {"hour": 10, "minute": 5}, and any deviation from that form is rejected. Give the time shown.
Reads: {"hour": 12, "minute": 45}
